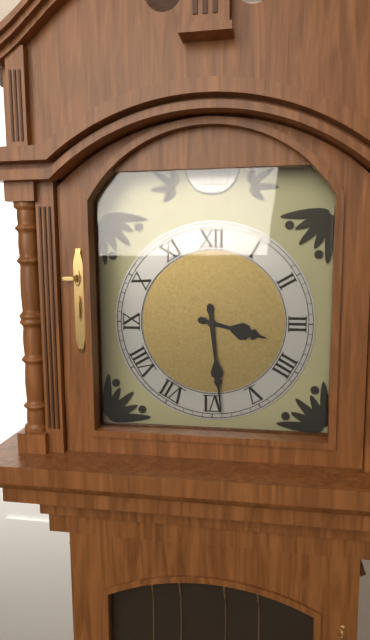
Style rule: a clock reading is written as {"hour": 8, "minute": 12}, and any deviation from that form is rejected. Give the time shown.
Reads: {"hour": 3, "minute": 29}
